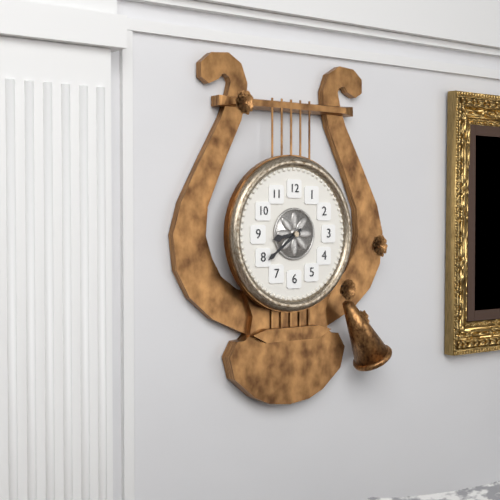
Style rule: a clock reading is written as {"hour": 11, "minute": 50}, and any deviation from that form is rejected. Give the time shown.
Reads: {"hour": 8, "minute": 39}
